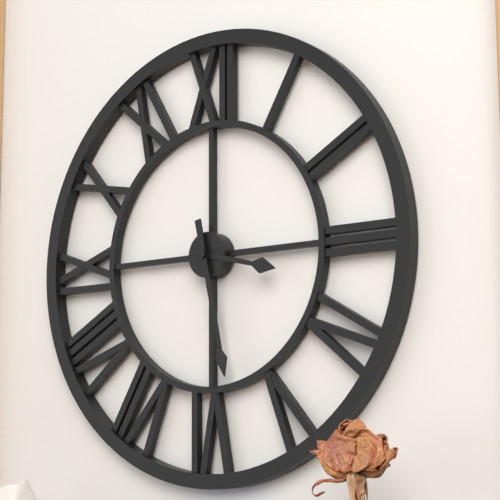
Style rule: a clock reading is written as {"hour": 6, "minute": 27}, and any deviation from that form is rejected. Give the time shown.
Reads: {"hour": 3, "minute": 28}
